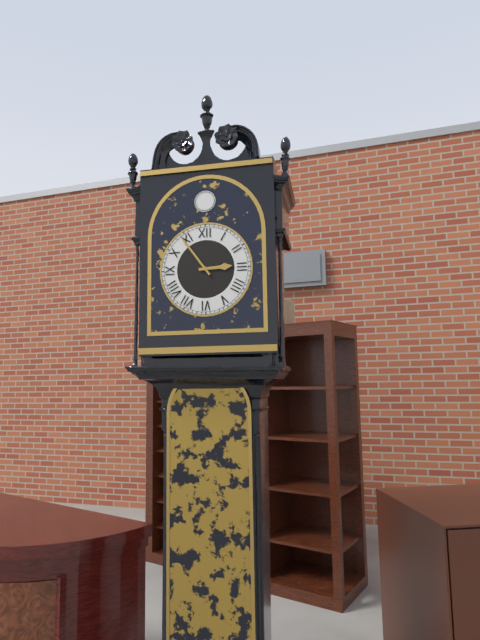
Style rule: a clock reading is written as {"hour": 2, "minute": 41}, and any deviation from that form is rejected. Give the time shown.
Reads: {"hour": 2, "minute": 54}
